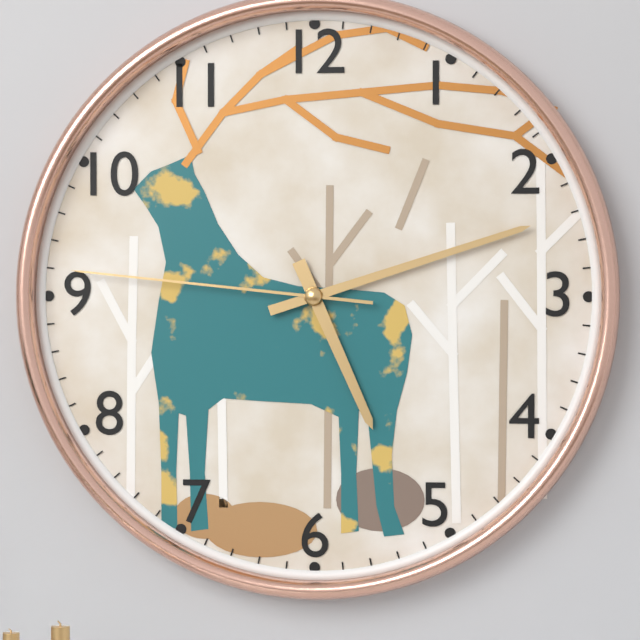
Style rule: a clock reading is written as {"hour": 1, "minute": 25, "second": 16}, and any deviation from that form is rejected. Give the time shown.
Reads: {"hour": 5, "minute": 12, "second": 46}
